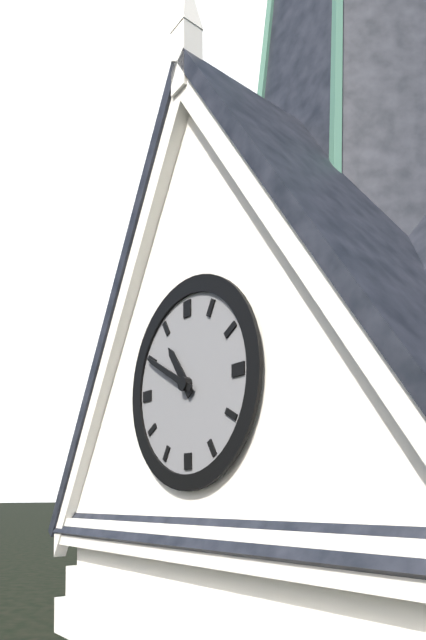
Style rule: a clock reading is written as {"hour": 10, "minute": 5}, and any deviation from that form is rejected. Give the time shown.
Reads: {"hour": 10, "minute": 50}
